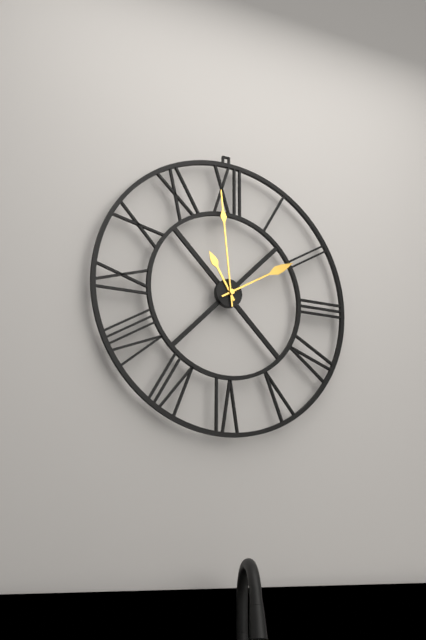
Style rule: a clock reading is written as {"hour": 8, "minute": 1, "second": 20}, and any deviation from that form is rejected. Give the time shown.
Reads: {"hour": 10, "minute": 59, "second": 10}
